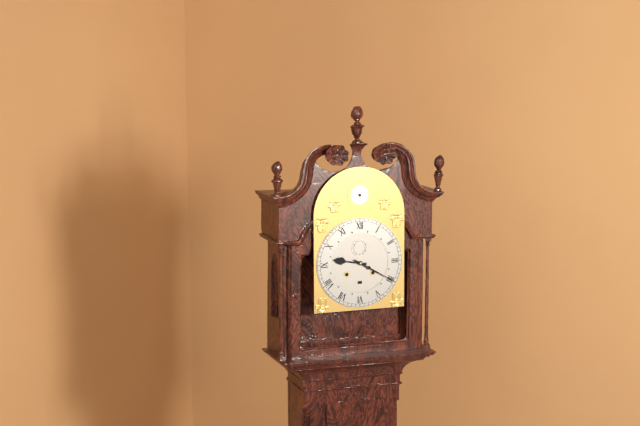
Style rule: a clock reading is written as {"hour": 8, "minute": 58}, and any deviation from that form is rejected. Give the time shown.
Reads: {"hour": 9, "minute": 20}
